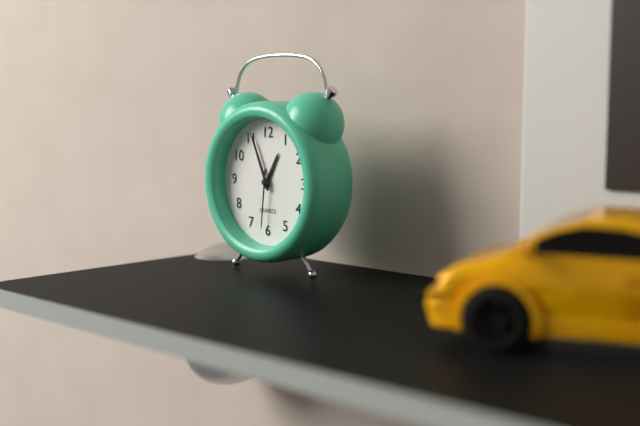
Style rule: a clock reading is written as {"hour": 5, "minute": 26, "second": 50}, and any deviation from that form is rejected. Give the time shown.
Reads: {"hour": 12, "minute": 56, "second": 31}
